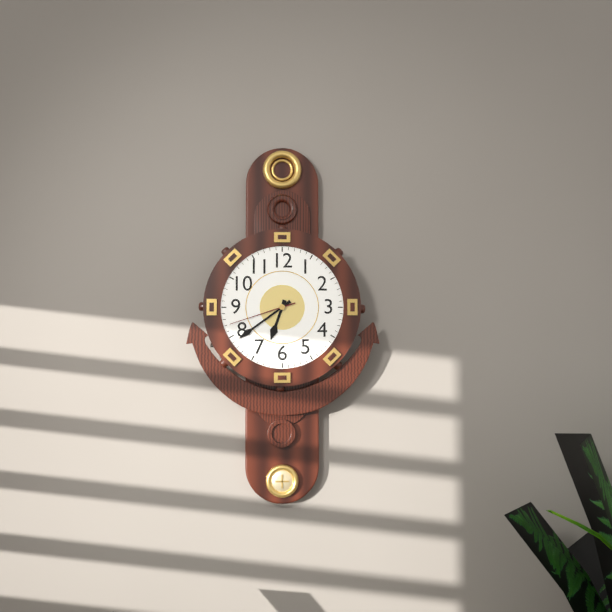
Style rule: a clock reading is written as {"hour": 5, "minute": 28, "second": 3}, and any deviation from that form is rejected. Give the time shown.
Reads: {"hour": 6, "minute": 39, "second": 42}
